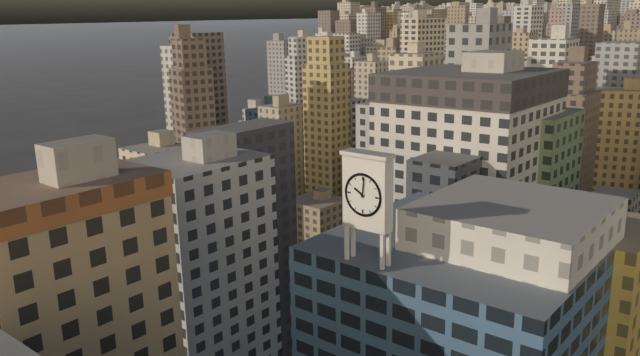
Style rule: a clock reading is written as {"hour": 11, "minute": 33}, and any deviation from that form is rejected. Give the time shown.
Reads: {"hour": 10, "minute": 1}
